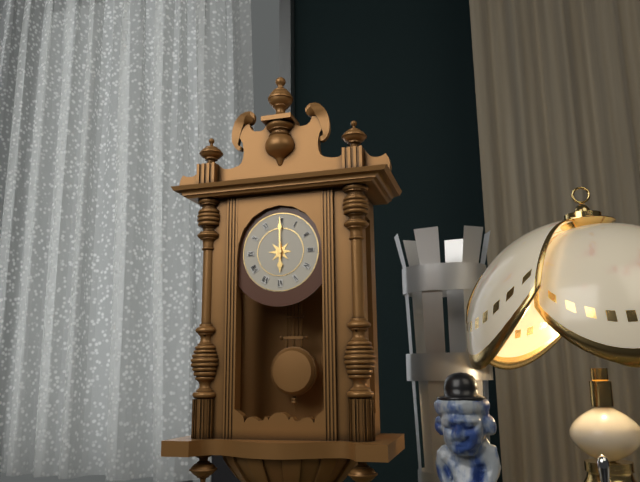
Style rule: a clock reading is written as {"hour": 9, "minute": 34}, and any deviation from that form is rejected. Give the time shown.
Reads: {"hour": 6, "minute": 0}
